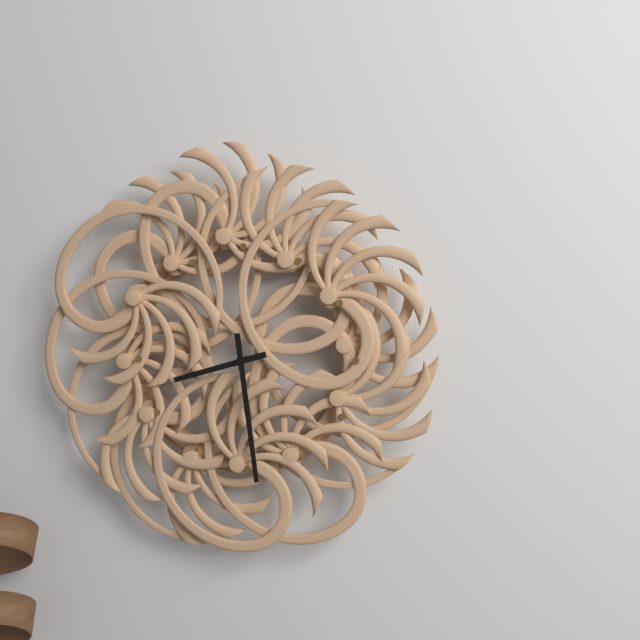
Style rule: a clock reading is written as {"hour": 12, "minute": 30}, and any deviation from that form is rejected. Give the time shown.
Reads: {"hour": 8, "minute": 29}
